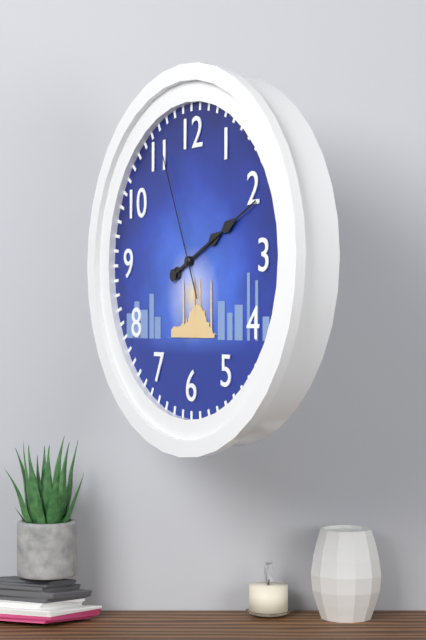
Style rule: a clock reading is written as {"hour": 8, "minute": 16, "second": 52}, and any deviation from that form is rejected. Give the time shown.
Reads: {"hour": 2, "minute": 11, "second": 56}
